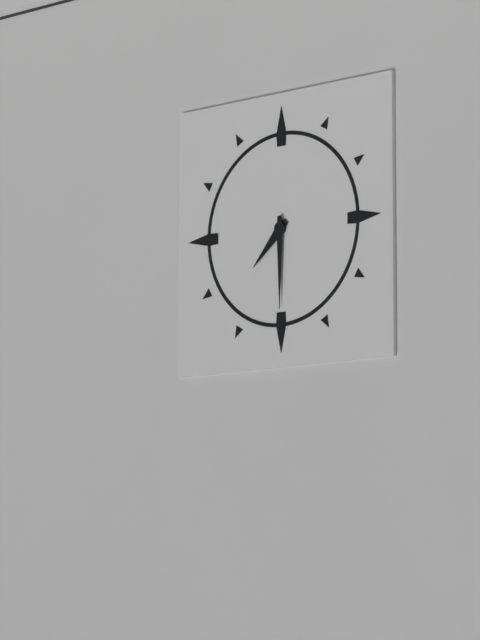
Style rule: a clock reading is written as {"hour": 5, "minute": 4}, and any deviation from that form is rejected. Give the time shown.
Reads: {"hour": 7, "minute": 30}
